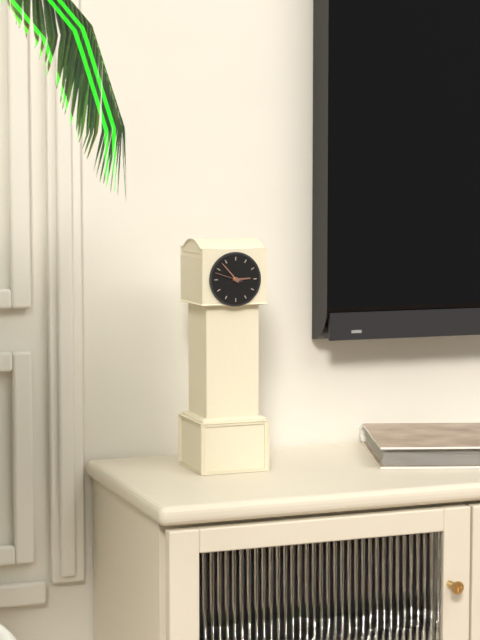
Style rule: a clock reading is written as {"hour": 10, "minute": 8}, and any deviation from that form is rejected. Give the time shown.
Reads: {"hour": 2, "minute": 53}
